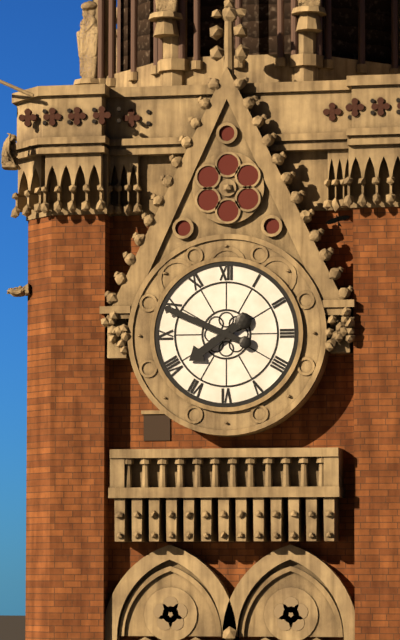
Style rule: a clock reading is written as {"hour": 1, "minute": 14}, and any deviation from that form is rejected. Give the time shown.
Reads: {"hour": 7, "minute": 49}
